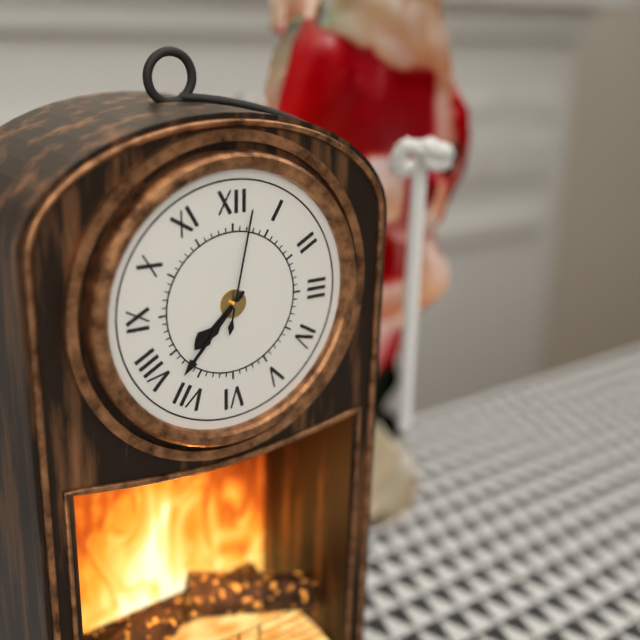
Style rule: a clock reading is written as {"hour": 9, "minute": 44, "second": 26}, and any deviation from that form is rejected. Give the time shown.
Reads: {"hour": 7, "minute": 37, "second": 2}
